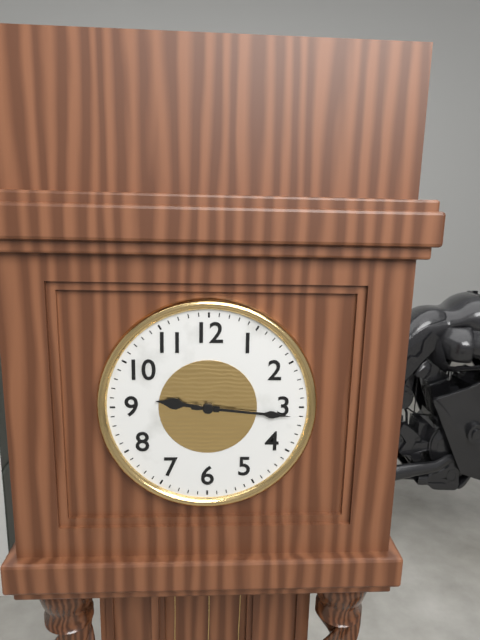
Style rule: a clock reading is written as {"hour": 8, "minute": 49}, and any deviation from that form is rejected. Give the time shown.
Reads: {"hour": 9, "minute": 16}
